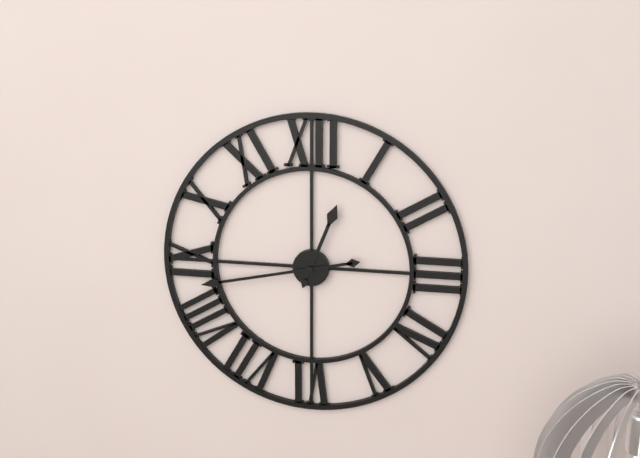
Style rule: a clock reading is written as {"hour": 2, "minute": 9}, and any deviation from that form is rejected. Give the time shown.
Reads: {"hour": 12, "minute": 43}
